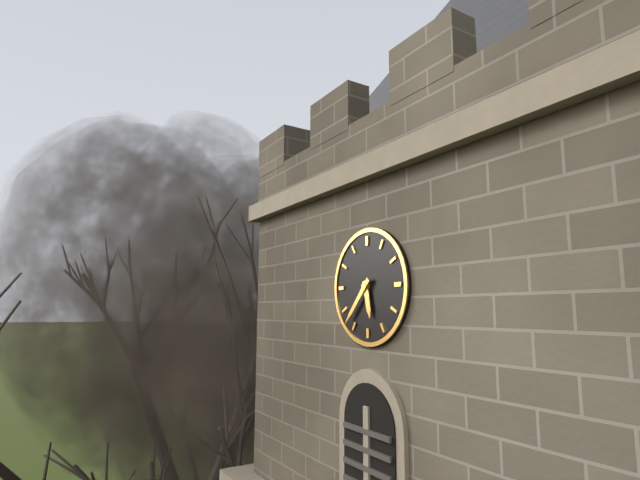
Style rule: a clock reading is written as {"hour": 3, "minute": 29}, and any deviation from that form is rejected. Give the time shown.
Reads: {"hour": 5, "minute": 37}
